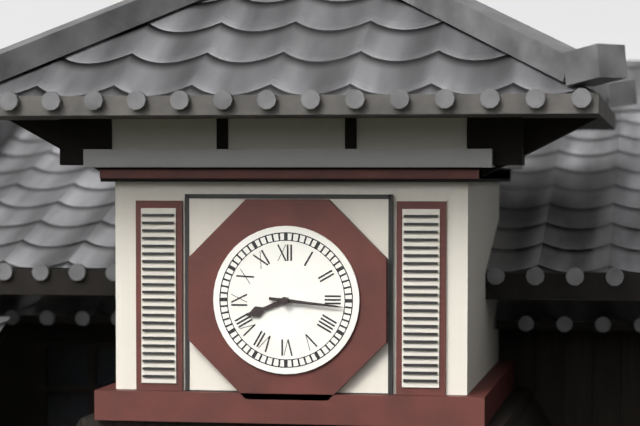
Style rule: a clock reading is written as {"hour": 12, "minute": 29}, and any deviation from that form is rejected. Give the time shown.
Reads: {"hour": 8, "minute": 16}
